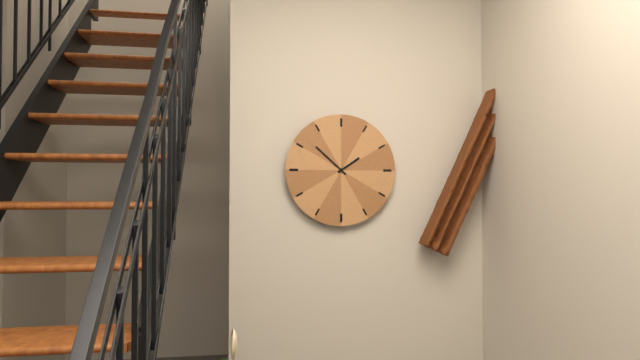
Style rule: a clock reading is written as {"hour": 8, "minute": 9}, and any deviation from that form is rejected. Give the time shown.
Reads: {"hour": 1, "minute": 52}
